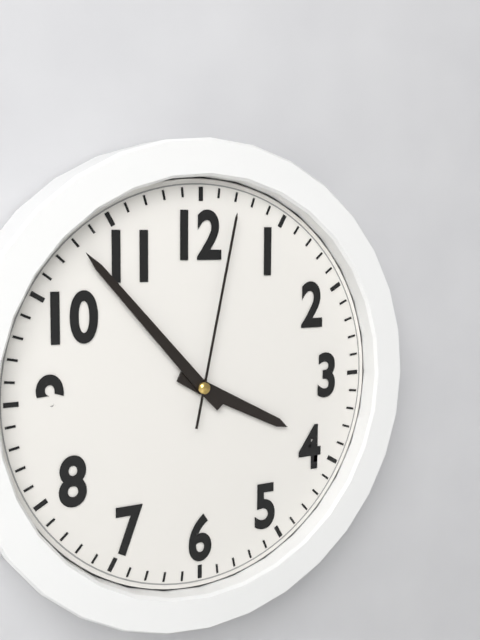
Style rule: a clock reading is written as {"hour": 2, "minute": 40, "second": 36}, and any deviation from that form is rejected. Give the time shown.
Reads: {"hour": 3, "minute": 53, "second": 2}
